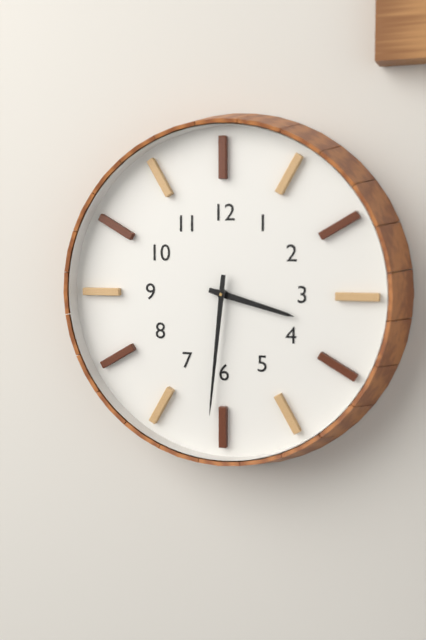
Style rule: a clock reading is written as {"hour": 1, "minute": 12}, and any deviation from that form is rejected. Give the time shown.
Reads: {"hour": 3, "minute": 31}
